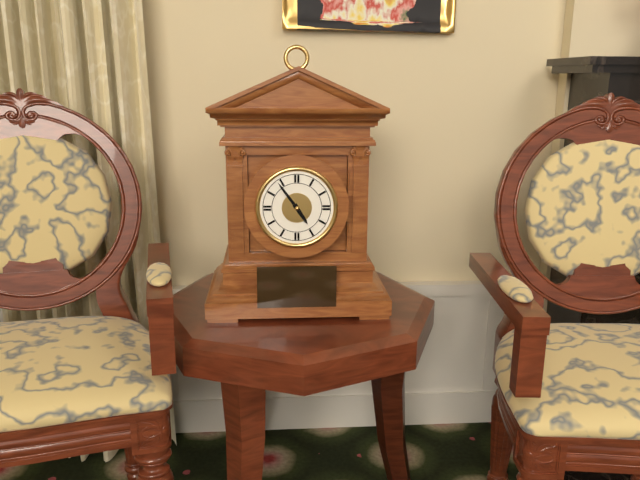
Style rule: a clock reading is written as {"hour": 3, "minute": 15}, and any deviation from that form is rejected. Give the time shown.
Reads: {"hour": 4, "minute": 54}
